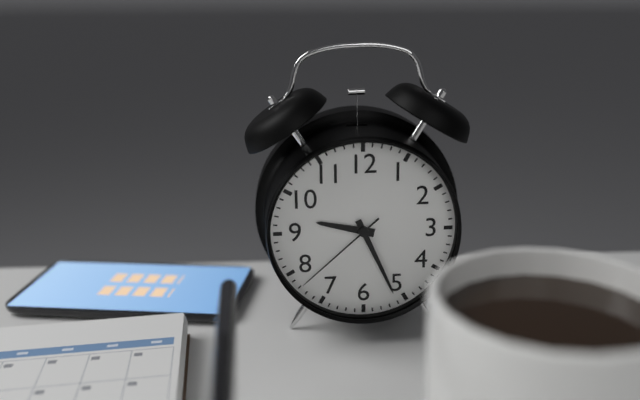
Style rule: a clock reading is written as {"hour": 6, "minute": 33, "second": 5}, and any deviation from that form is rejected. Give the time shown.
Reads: {"hour": 9, "minute": 26, "second": 38}
